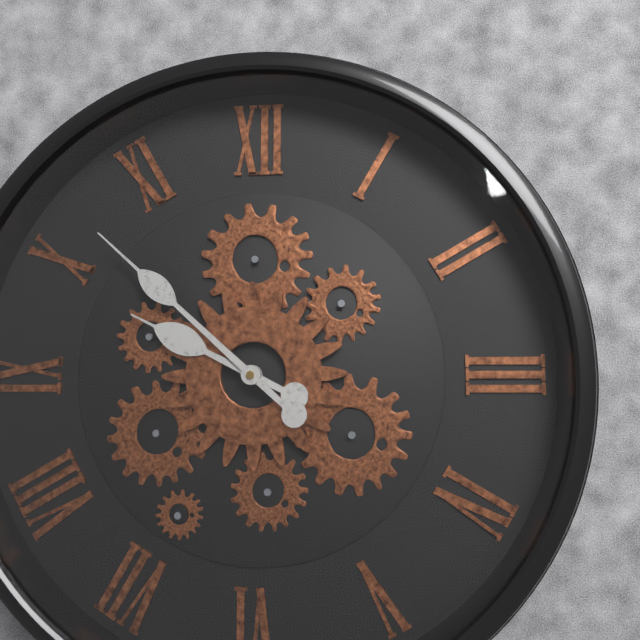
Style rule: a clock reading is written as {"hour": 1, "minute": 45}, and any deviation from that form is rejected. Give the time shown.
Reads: {"hour": 9, "minute": 52}
